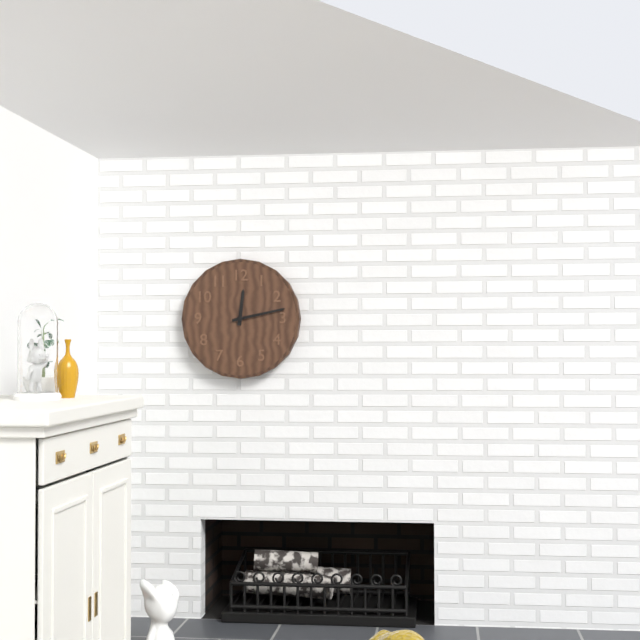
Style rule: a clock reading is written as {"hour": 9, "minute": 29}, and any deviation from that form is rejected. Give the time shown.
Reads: {"hour": 12, "minute": 13}
